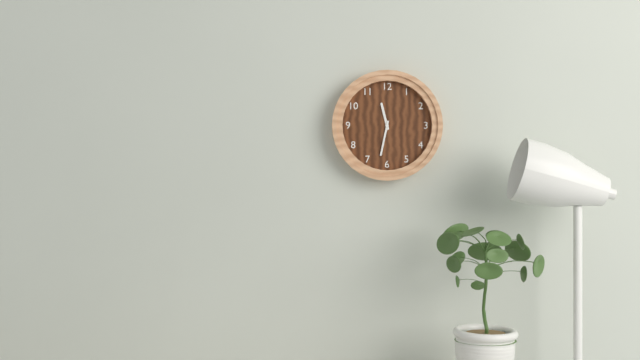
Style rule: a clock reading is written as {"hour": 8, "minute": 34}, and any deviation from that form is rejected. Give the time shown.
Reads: {"hour": 11, "minute": 32}
